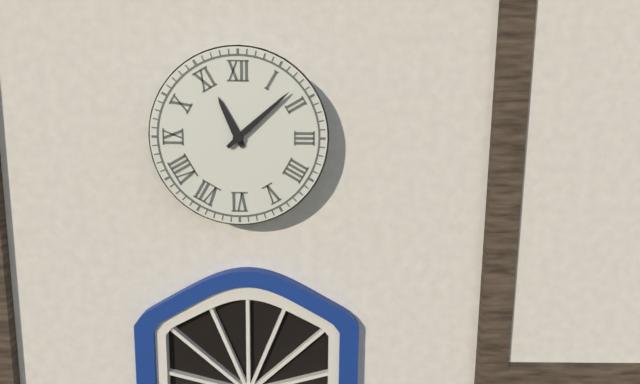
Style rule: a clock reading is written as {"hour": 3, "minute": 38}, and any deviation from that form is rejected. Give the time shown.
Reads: {"hour": 11, "minute": 8}
